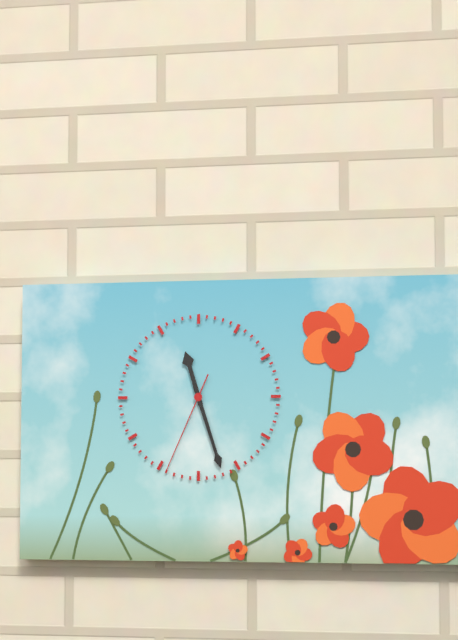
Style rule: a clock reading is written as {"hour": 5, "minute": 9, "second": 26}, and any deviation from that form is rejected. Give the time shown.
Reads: {"hour": 11, "minute": 27, "second": 34}
